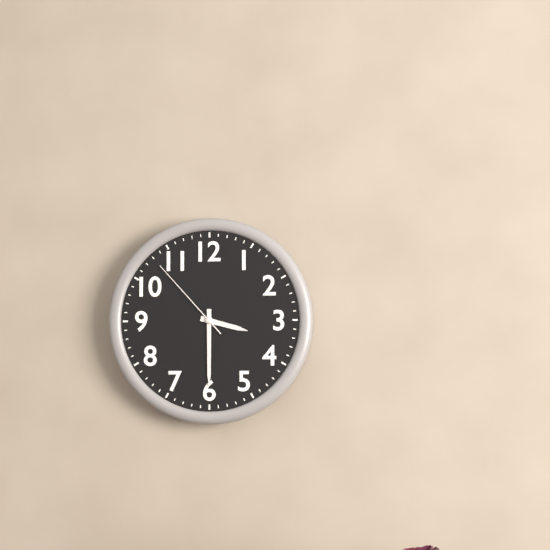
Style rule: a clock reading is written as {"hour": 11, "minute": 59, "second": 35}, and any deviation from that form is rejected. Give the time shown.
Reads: {"hour": 3, "minute": 30, "second": 53}
